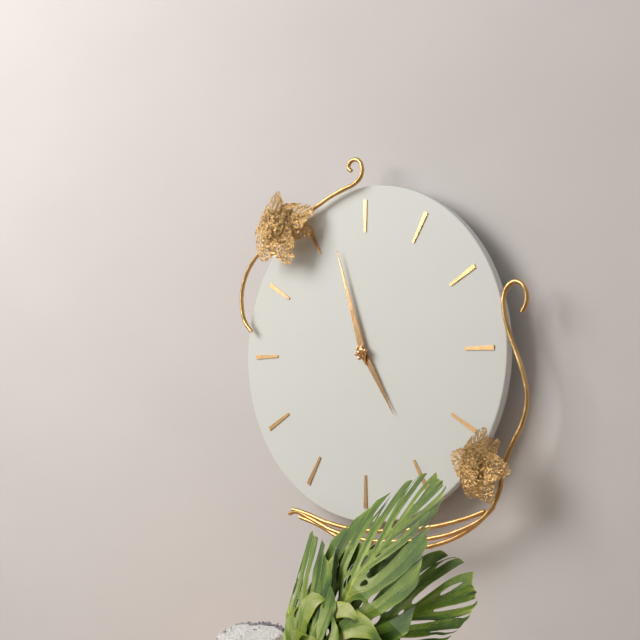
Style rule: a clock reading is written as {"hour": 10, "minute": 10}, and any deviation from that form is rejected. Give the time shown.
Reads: {"hour": 4, "minute": 57}
